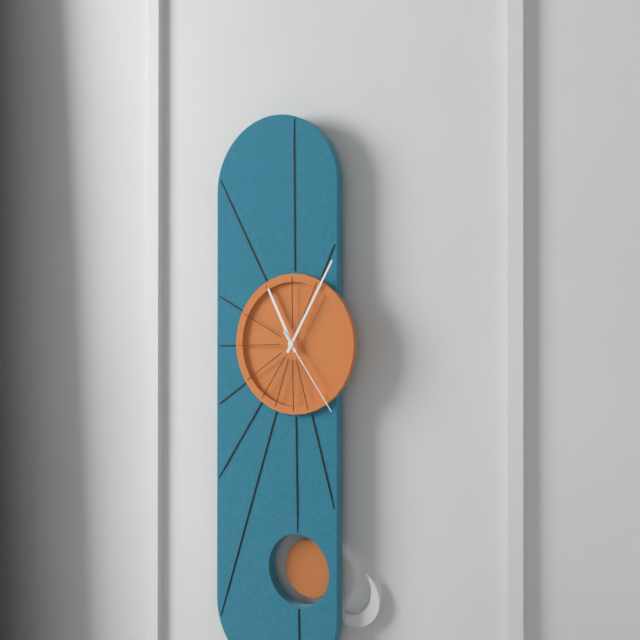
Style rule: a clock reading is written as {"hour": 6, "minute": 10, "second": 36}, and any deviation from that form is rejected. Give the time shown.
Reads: {"hour": 11, "minute": 5, "second": 24}
